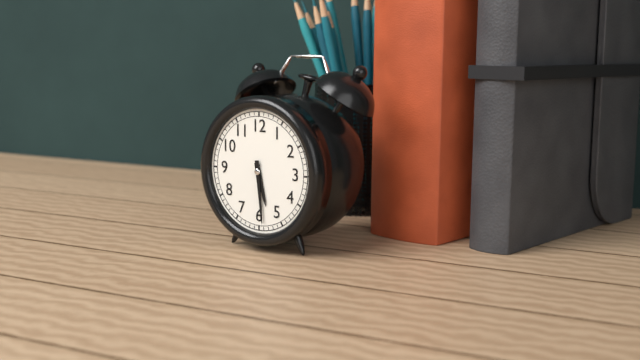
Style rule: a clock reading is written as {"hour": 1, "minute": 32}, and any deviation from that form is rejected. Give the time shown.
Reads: {"hour": 5, "minute": 29}
